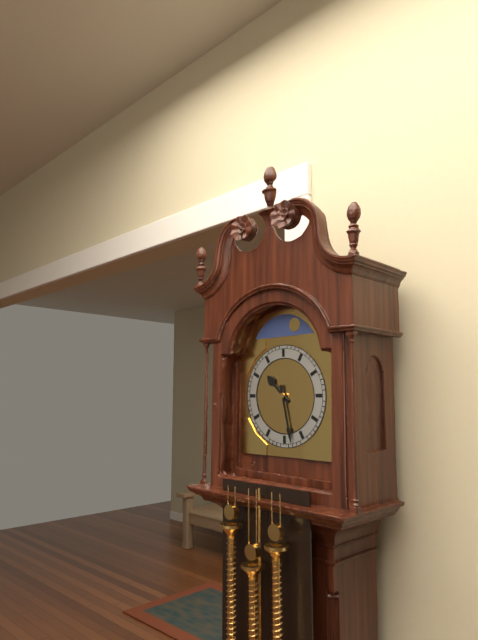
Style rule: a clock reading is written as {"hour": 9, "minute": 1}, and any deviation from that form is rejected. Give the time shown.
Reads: {"hour": 10, "minute": 28}
